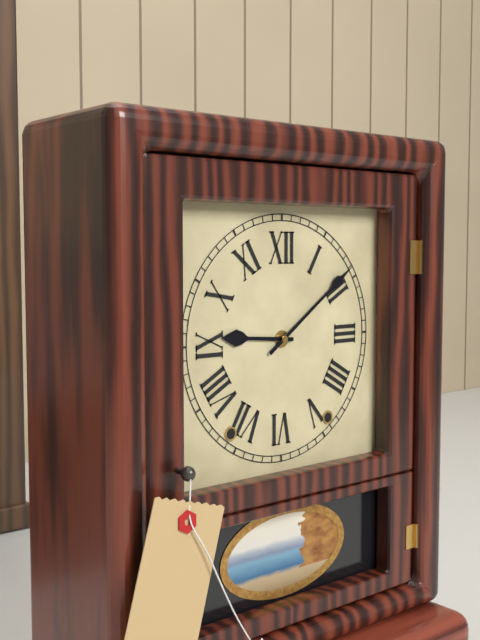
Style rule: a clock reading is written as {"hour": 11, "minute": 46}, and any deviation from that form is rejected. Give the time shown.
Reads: {"hour": 9, "minute": 9}
